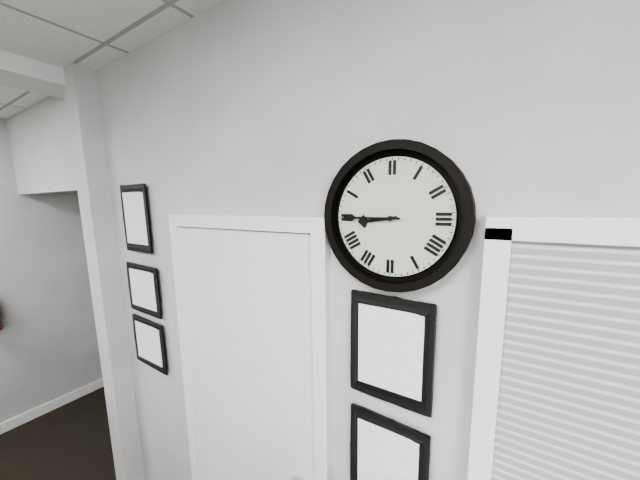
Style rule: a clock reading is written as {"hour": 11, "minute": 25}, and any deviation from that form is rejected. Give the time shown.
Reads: {"hour": 8, "minute": 45}
